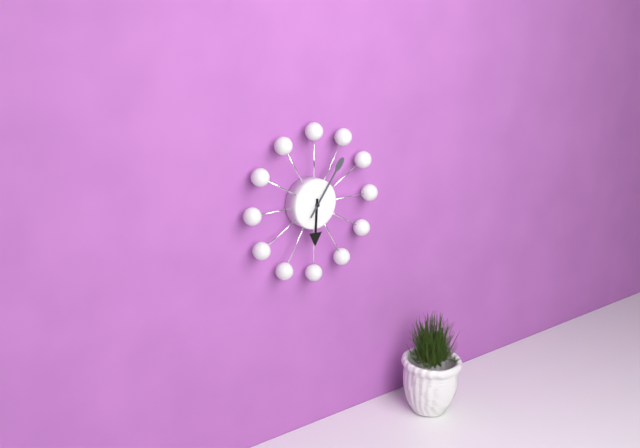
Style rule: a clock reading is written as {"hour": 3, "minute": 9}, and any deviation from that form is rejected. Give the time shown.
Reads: {"hour": 6, "minute": 6}
